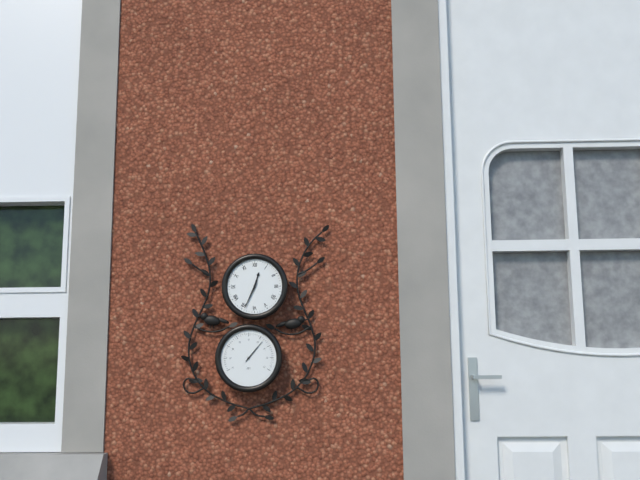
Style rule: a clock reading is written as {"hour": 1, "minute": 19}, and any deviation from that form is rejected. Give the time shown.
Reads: {"hour": 12, "minute": 34}
